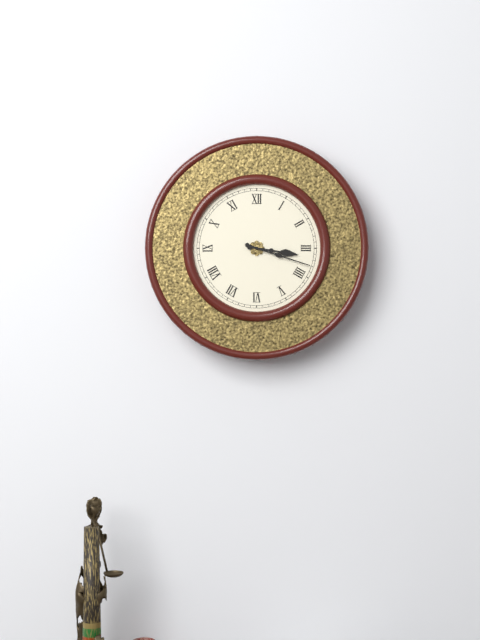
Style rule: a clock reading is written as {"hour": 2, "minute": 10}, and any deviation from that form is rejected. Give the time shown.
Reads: {"hour": 3, "minute": 18}
